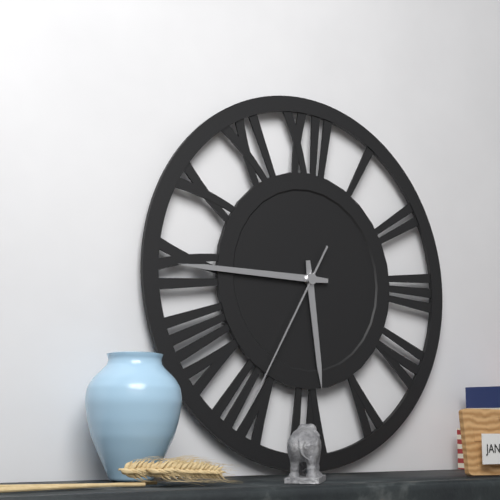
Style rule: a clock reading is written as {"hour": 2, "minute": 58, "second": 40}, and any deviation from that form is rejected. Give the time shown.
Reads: {"hour": 5, "minute": 45, "second": 35}
